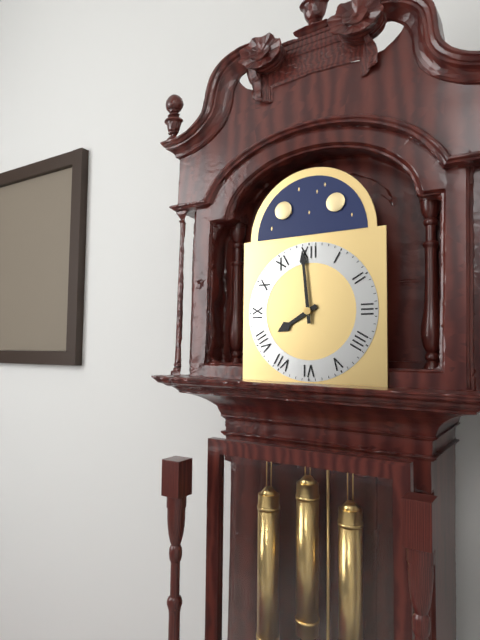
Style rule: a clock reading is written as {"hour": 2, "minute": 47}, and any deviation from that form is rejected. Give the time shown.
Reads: {"hour": 7, "minute": 59}
